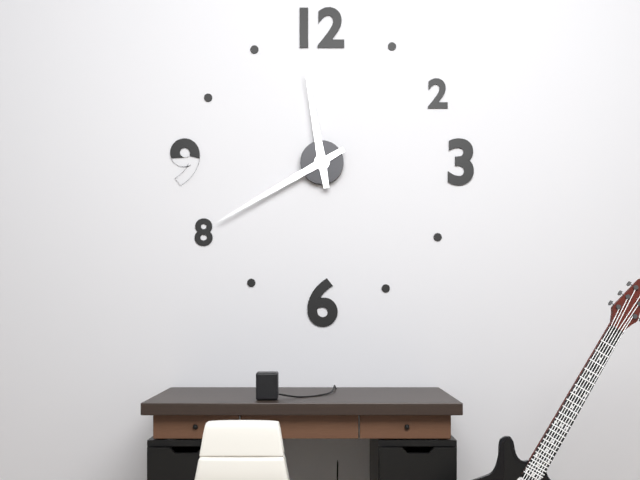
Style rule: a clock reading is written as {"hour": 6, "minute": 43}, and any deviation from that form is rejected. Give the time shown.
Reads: {"hour": 11, "minute": 40}
